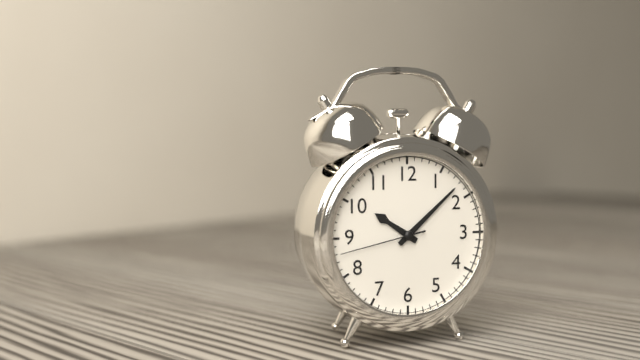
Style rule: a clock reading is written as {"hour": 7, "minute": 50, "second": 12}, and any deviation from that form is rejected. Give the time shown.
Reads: {"hour": 10, "minute": 8, "second": 43}
